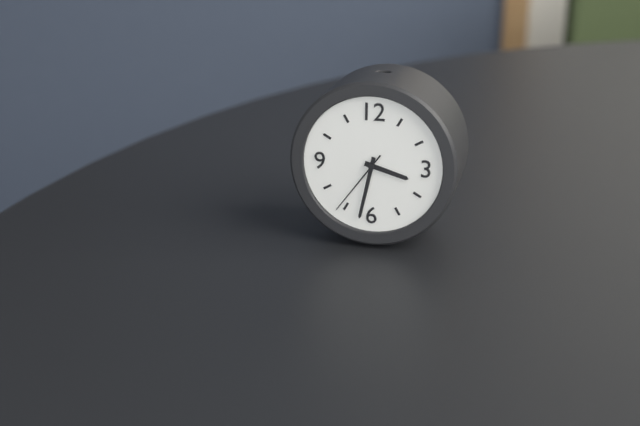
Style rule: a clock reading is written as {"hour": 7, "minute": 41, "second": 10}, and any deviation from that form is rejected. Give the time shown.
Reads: {"hour": 3, "minute": 32, "second": 36}
